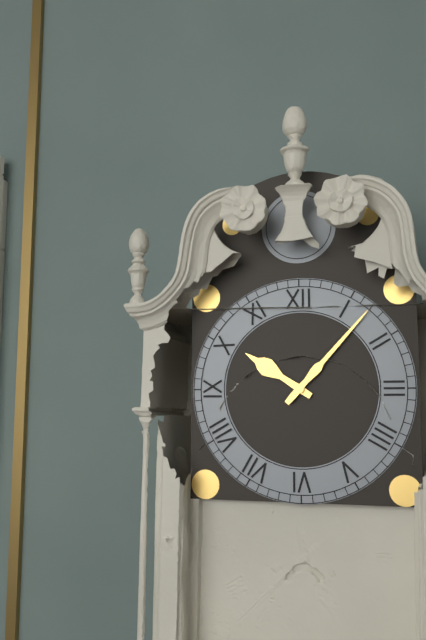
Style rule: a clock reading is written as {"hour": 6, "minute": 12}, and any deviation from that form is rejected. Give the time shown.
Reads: {"hour": 10, "minute": 7}
